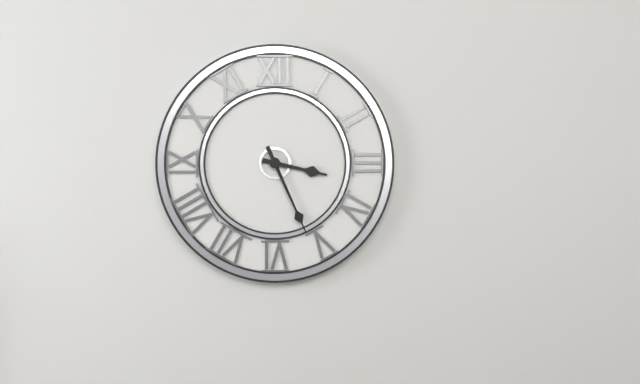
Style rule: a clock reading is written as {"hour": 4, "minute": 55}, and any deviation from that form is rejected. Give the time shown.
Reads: {"hour": 3, "minute": 26}
